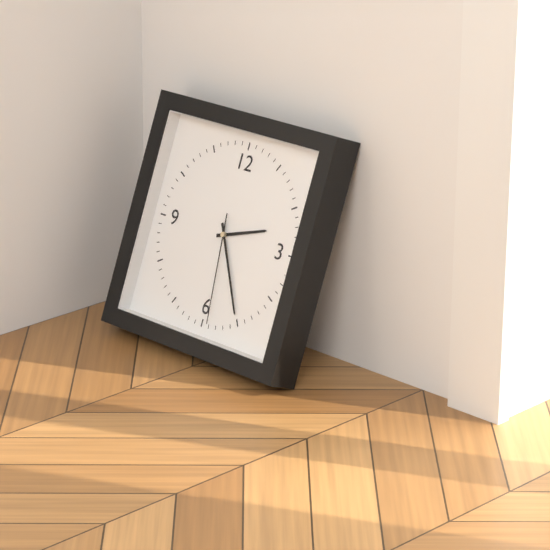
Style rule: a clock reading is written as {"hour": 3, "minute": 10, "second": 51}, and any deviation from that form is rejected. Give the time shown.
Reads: {"hour": 2, "minute": 25, "second": 29}
